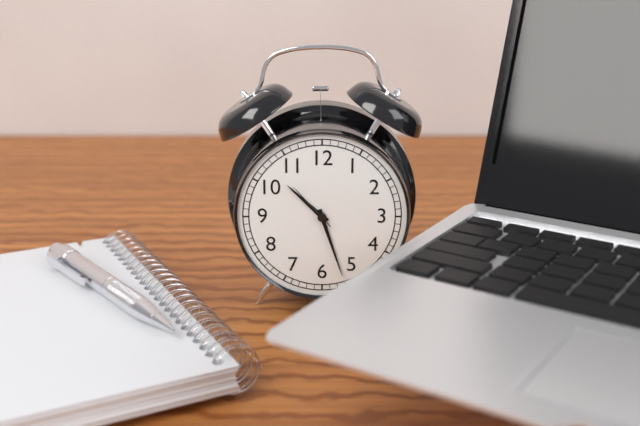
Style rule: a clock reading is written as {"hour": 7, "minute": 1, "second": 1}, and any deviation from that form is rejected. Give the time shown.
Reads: {"hour": 10, "minute": 27, "second": 53}
